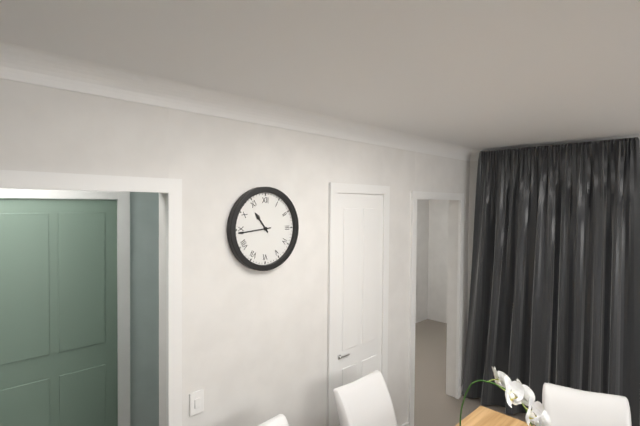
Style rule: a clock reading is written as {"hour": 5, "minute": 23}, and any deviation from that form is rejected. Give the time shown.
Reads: {"hour": 10, "minute": 44}
